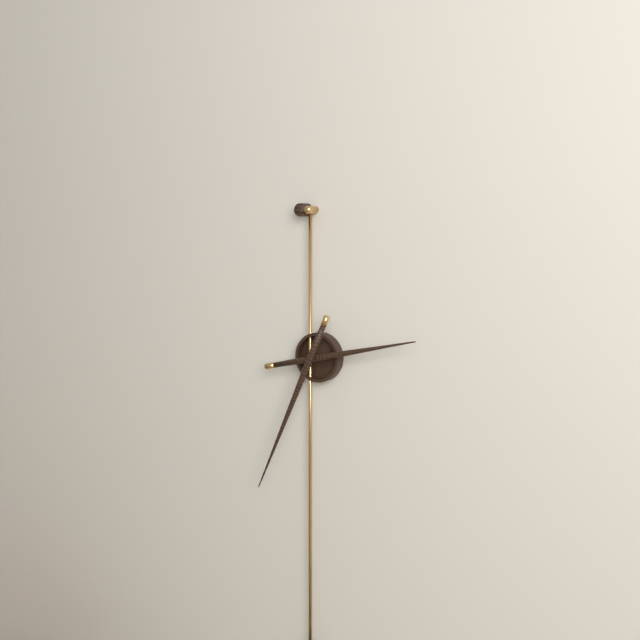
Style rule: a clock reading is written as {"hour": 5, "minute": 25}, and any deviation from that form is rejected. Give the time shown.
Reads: {"hour": 2, "minute": 34}
